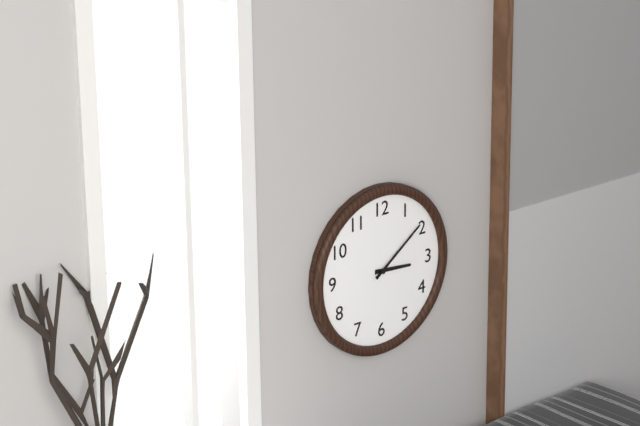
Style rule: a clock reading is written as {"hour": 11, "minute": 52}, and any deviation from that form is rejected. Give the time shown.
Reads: {"hour": 3, "minute": 9}
